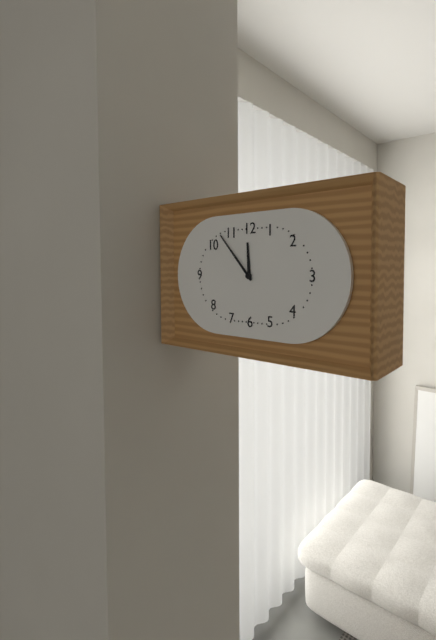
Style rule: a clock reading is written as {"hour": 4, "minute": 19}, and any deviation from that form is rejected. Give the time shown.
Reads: {"hour": 11, "minute": 53}
